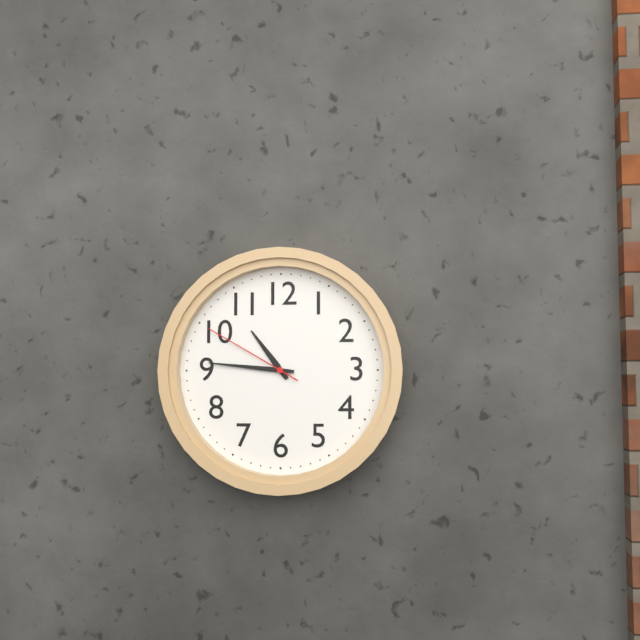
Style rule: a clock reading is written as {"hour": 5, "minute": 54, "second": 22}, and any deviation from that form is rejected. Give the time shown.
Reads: {"hour": 10, "minute": 46, "second": 50}
